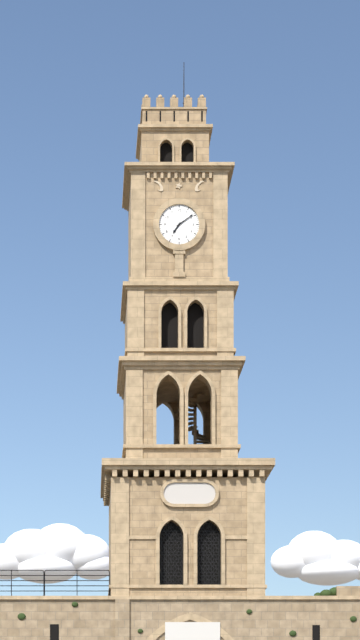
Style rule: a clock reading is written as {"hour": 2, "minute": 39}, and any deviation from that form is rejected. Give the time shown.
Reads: {"hour": 7, "minute": 9}
